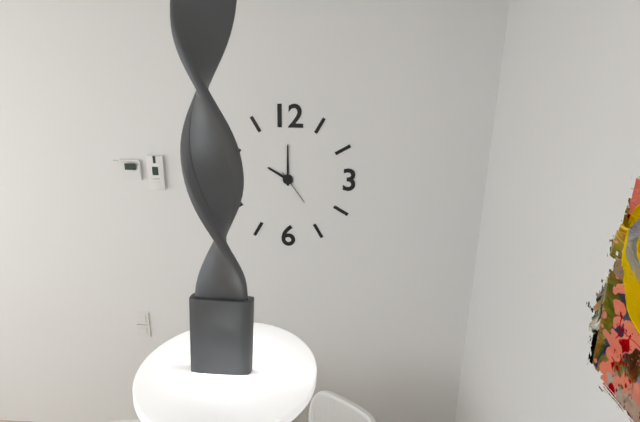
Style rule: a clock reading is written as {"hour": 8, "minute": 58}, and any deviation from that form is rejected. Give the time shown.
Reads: {"hour": 10, "minute": 0}
